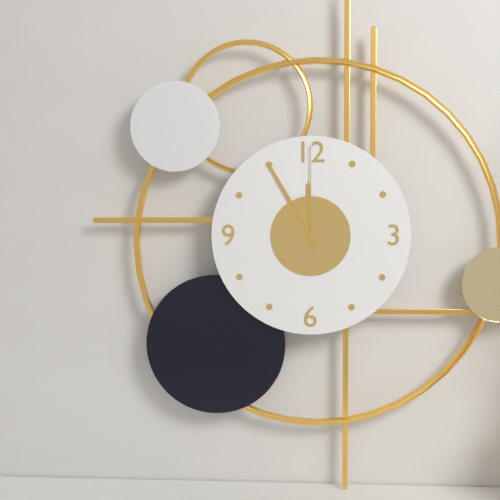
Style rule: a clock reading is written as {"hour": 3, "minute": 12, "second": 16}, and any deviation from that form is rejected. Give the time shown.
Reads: {"hour": 11, "minute": 55, "second": 0}
